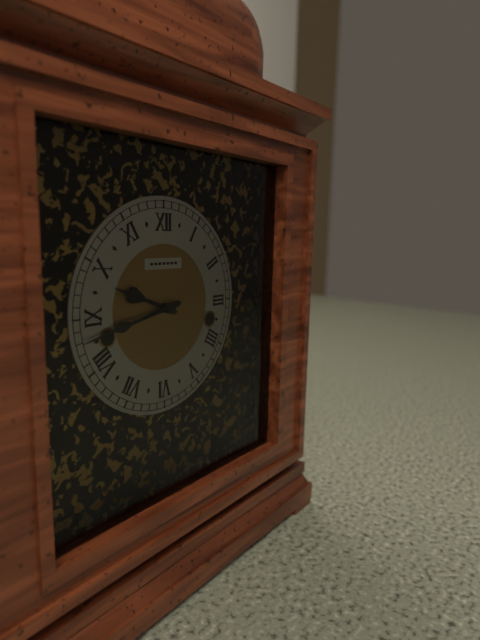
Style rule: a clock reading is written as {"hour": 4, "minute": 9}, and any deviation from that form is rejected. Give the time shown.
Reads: {"hour": 9, "minute": 43}
